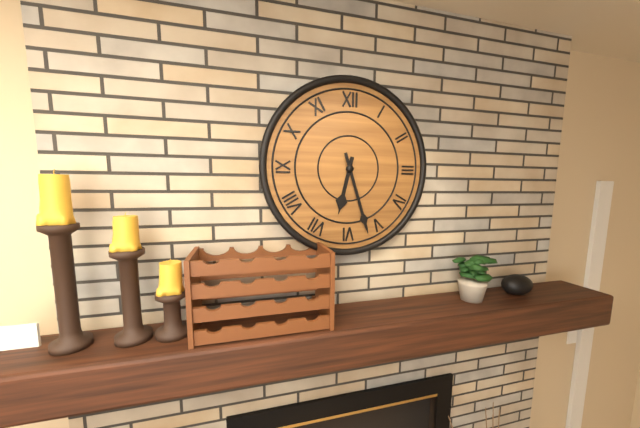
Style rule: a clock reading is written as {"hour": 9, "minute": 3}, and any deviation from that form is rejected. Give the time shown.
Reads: {"hour": 6, "minute": 27}
